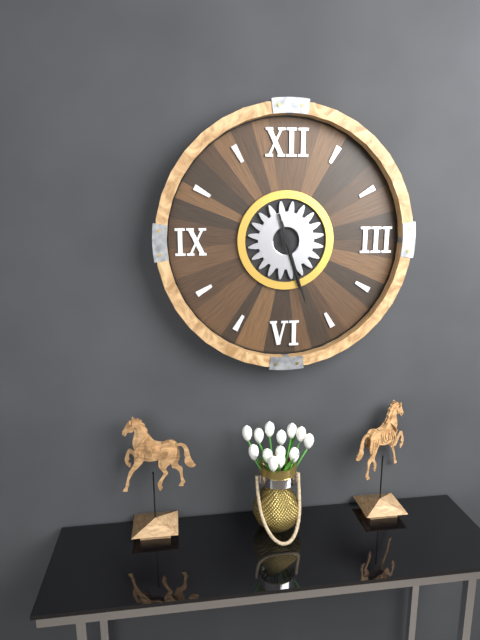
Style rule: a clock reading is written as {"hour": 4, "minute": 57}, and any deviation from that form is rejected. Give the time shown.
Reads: {"hour": 5, "minute": 27}
